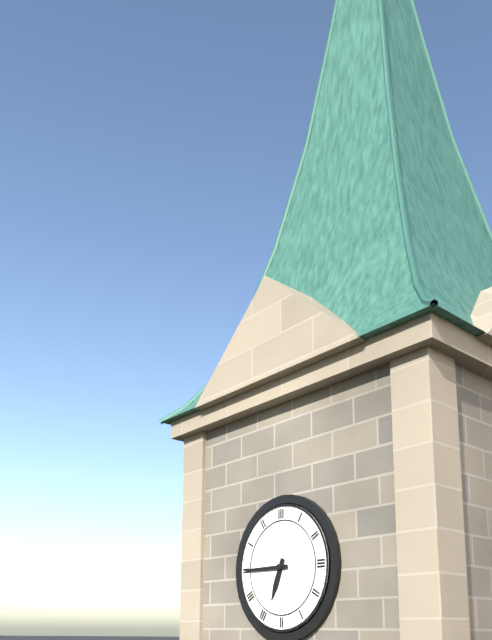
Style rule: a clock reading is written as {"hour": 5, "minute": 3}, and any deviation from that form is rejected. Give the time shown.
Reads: {"hour": 6, "minute": 45}
